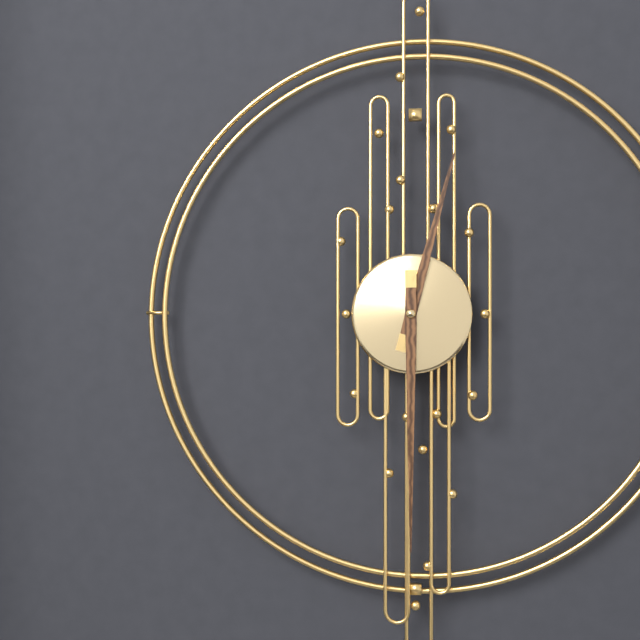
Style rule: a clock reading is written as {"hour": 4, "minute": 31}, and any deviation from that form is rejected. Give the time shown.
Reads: {"hour": 12, "minute": 30}
